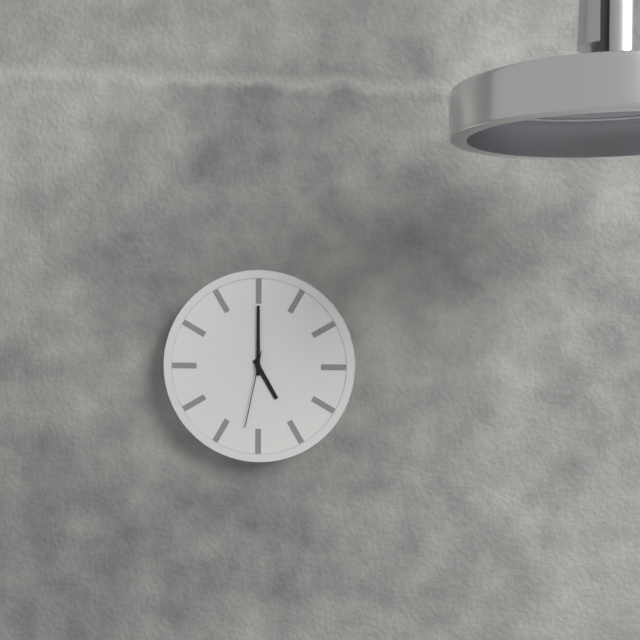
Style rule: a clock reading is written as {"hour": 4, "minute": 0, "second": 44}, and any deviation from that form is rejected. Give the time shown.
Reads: {"hour": 5, "minute": 0, "second": 32}
